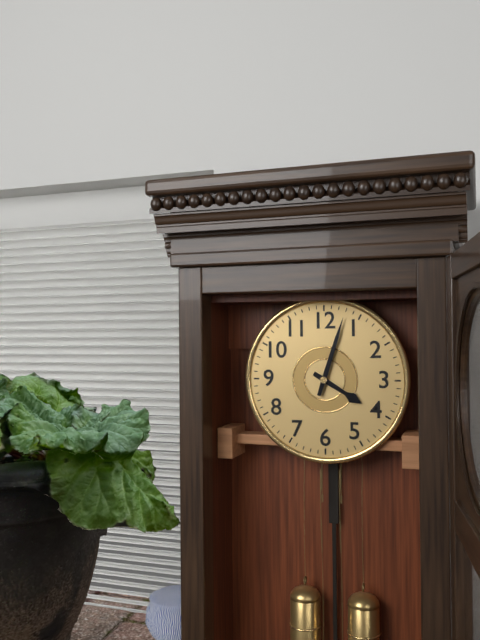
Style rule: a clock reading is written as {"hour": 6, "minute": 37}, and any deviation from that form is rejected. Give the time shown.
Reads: {"hour": 4, "minute": 3}
